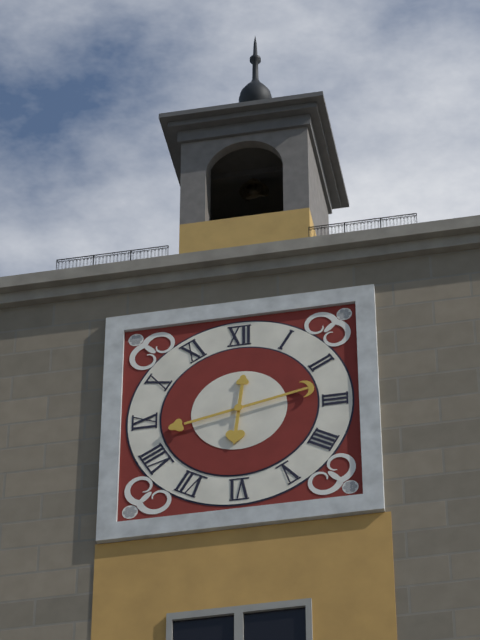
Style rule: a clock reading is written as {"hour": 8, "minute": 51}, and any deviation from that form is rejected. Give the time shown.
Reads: {"hour": 6, "minute": 13}
